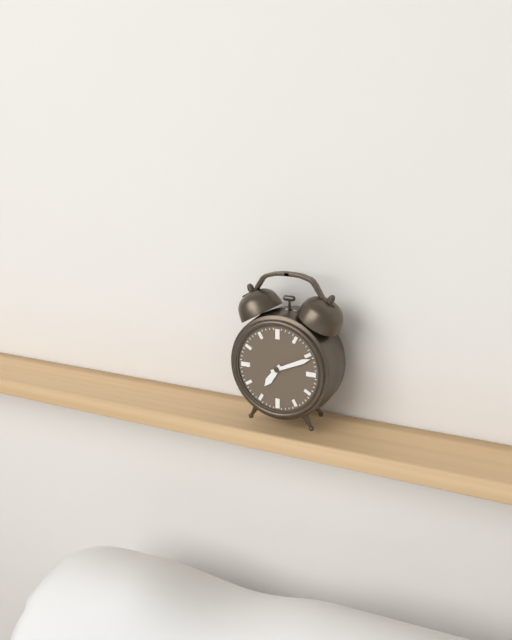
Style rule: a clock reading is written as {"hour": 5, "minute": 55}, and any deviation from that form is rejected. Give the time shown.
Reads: {"hour": 7, "minute": 11}
